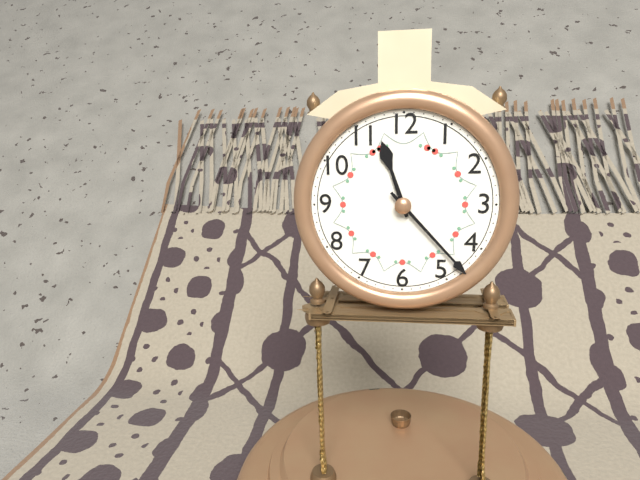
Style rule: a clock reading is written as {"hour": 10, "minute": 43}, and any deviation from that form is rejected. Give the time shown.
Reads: {"hour": 11, "minute": 23}
